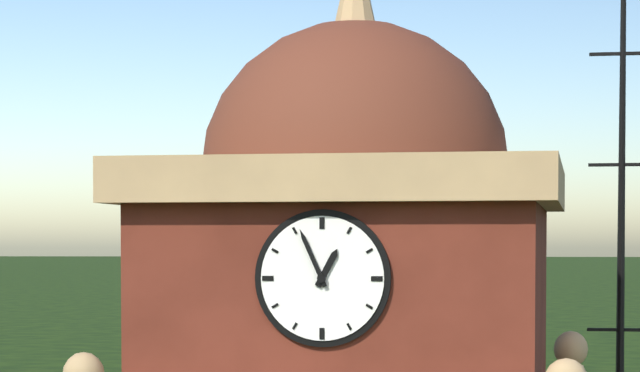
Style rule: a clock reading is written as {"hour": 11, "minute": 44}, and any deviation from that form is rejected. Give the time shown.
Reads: {"hour": 12, "minute": 56}
